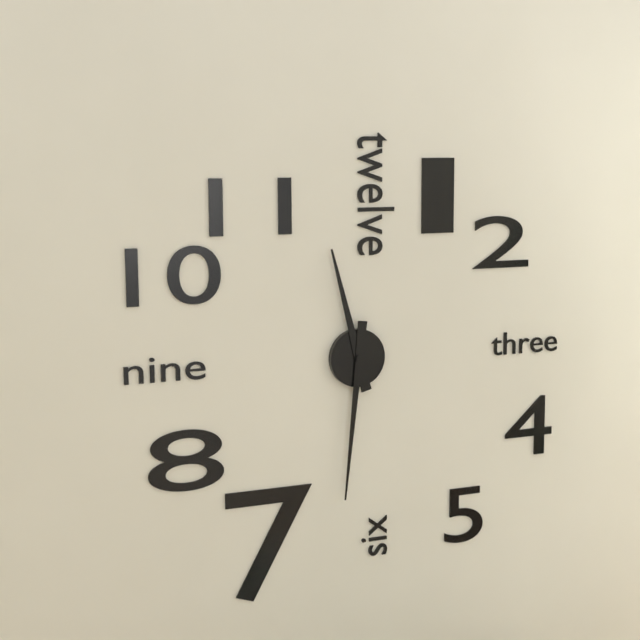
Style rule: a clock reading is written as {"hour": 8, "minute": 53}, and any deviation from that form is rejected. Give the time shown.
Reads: {"hour": 11, "minute": 31}
